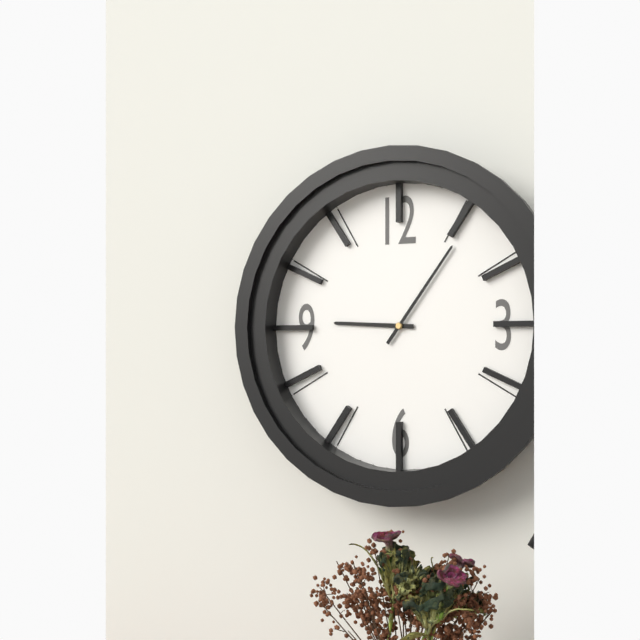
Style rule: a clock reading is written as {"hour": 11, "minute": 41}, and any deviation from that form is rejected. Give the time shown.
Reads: {"hour": 9, "minute": 6}
